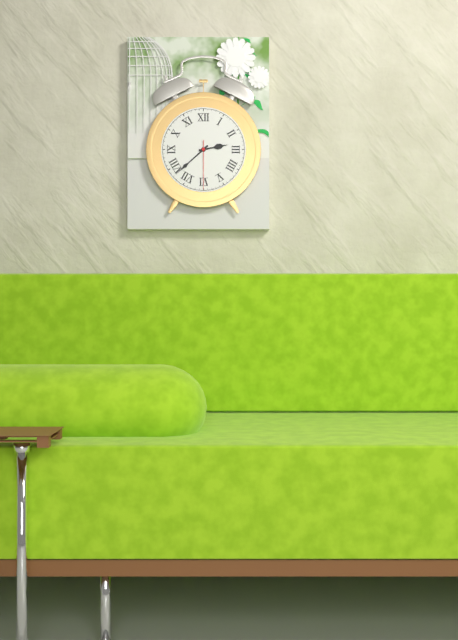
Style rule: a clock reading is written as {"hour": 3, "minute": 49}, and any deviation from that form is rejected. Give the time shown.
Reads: {"hour": 2, "minute": 38}
